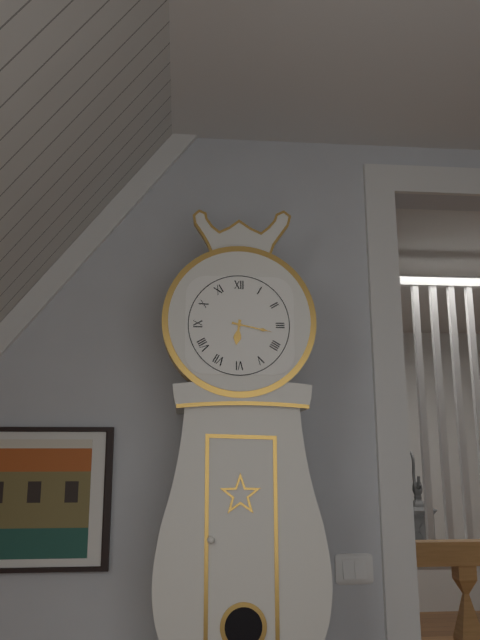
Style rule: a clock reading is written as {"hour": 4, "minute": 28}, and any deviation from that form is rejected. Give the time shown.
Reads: {"hour": 6, "minute": 17}
